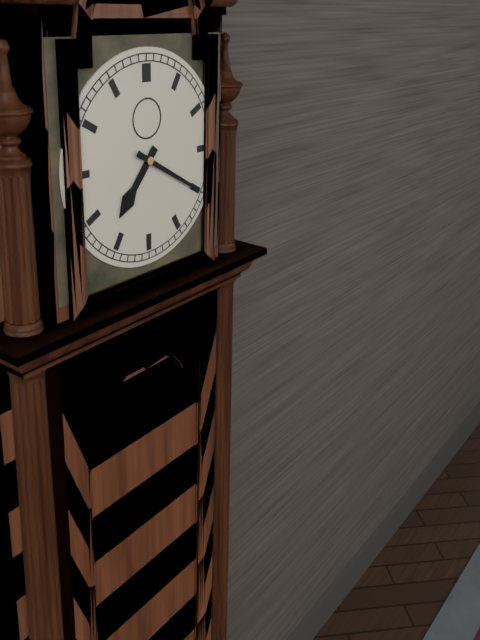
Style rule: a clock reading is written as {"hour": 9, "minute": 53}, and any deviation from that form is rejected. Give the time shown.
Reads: {"hour": 7, "minute": 20}
